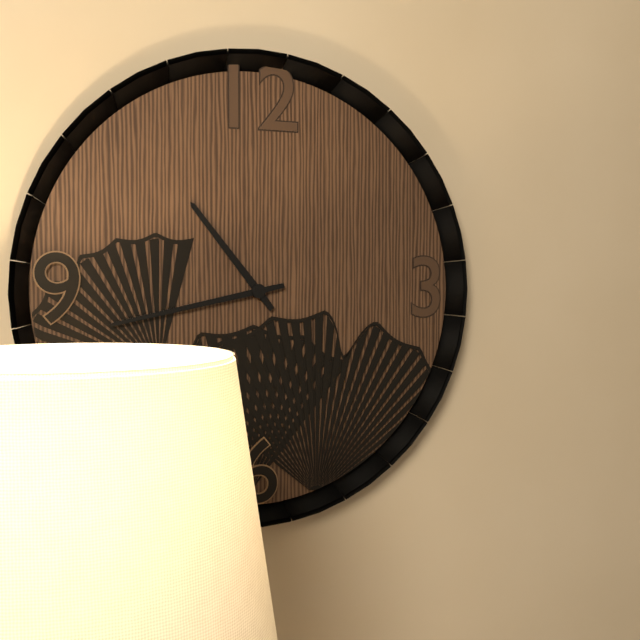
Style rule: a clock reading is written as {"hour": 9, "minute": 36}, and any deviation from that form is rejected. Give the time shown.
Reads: {"hour": 10, "minute": 43}
